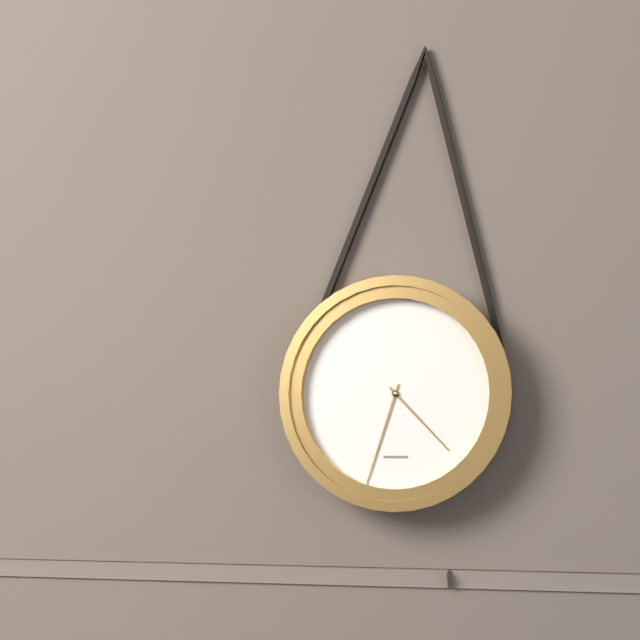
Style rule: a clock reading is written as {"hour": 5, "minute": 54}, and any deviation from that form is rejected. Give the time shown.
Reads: {"hour": 4, "minute": 33}
